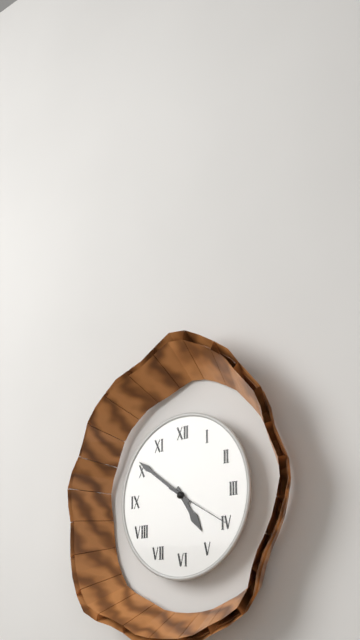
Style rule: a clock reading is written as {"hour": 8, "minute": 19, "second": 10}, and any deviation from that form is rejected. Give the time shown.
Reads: {"hour": 4, "minute": 51, "second": 20}
